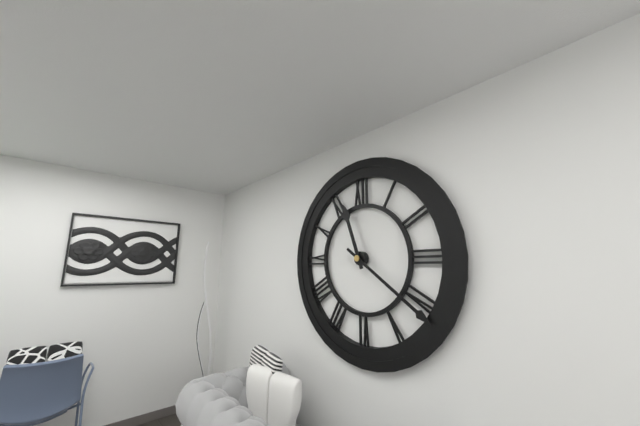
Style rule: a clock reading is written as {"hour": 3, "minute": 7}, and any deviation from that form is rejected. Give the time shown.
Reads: {"hour": 11, "minute": 21}
